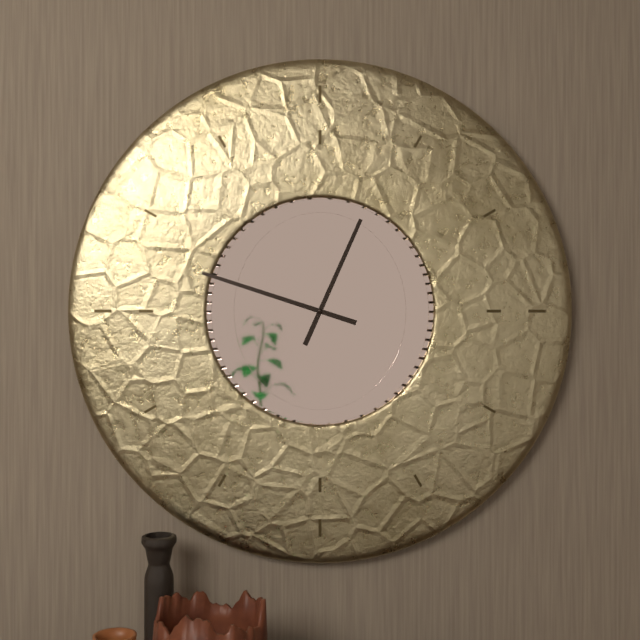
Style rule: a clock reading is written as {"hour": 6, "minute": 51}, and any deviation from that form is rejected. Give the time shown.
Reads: {"hour": 12, "minute": 48}
